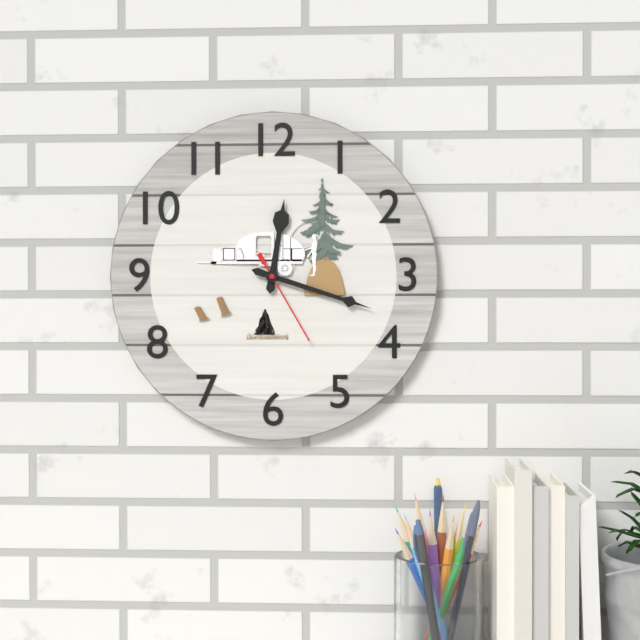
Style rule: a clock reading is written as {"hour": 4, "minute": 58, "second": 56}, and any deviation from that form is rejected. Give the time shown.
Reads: {"hour": 12, "minute": 18, "second": 25}
